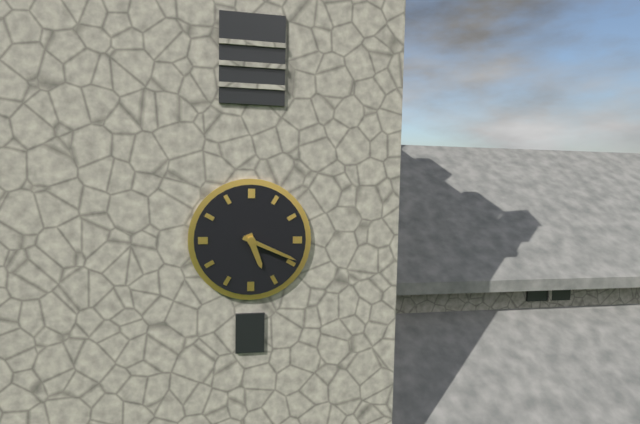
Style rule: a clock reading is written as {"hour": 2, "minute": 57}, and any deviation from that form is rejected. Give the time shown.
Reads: {"hour": 5, "minute": 19}
